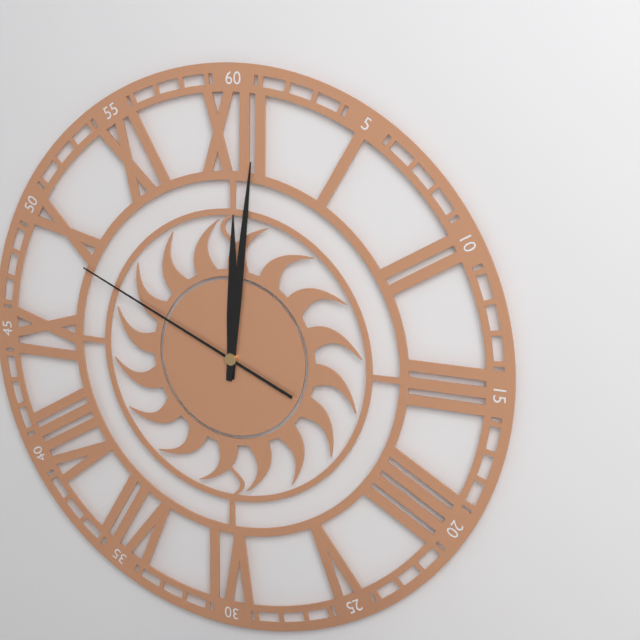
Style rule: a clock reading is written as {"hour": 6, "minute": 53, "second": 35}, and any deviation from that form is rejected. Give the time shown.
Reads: {"hour": 12, "minute": 1, "second": 49}
